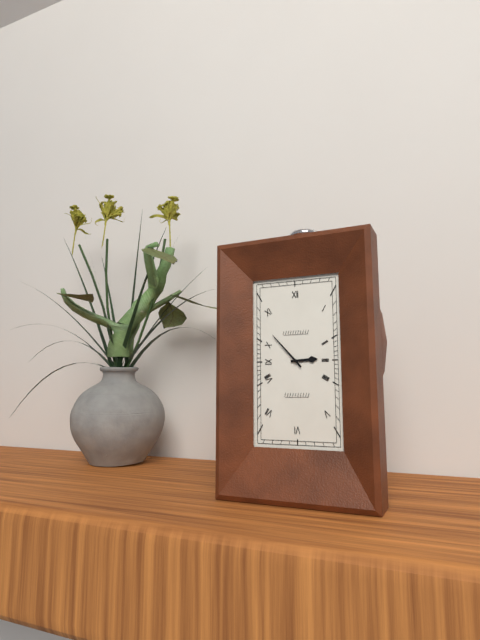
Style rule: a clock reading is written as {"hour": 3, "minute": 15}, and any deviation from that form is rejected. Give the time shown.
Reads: {"hour": 2, "minute": 53}
